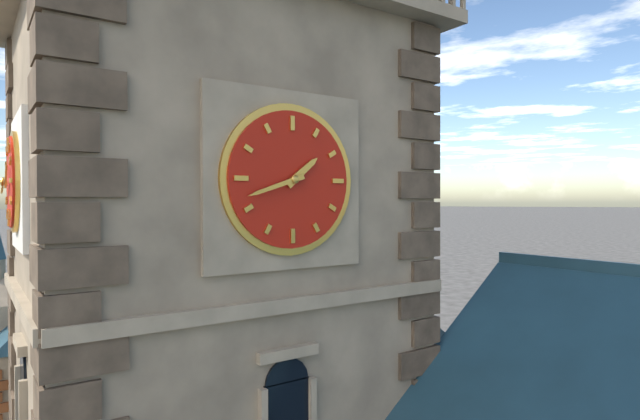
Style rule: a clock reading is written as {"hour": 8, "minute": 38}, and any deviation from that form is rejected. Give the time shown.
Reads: {"hour": 1, "minute": 42}
